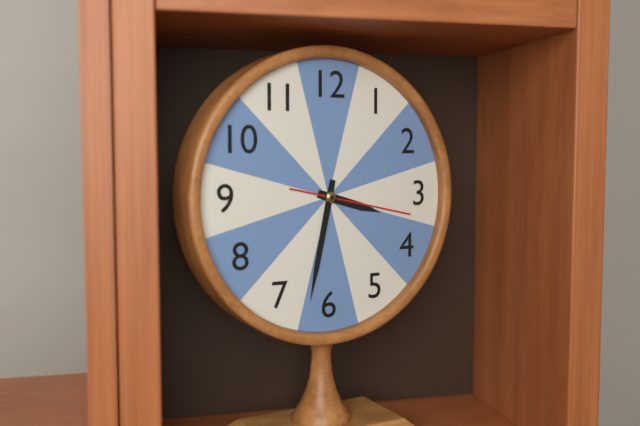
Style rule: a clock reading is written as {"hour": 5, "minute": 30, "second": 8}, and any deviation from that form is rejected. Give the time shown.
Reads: {"hour": 3, "minute": 32, "second": 17}
